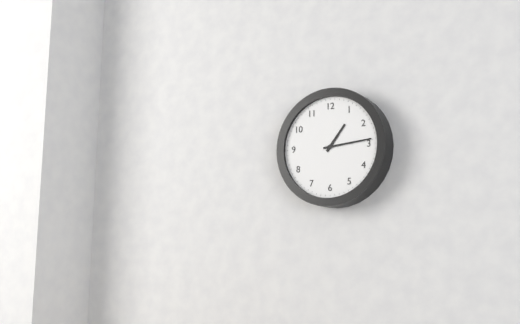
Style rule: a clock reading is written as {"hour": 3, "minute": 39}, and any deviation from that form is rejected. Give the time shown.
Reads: {"hour": 1, "minute": 14}
